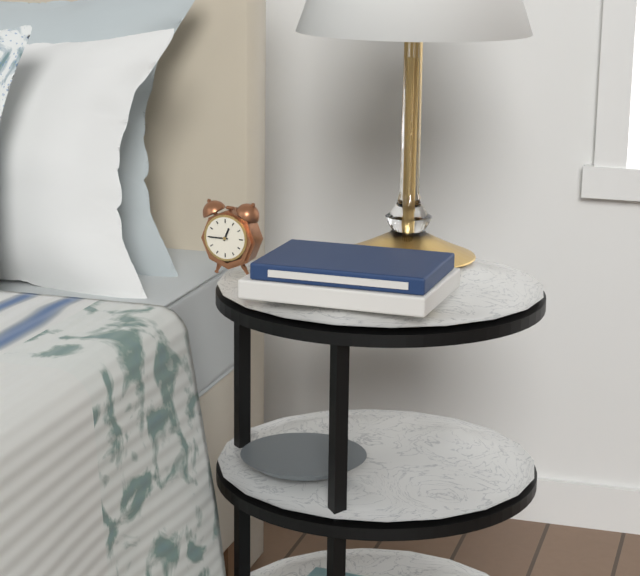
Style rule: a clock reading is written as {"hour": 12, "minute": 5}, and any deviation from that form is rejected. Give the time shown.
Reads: {"hour": 12, "minute": 45}
